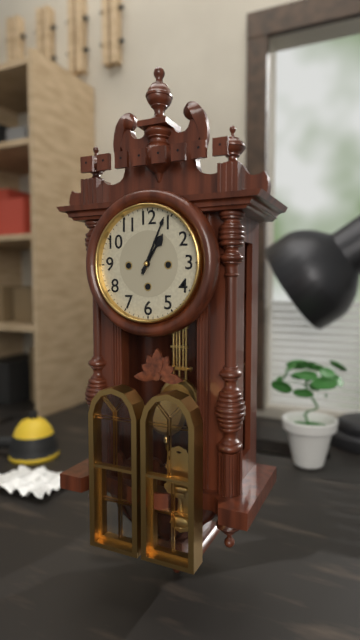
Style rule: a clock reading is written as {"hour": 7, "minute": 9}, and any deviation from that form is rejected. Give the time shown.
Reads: {"hour": 1, "minute": 4}
